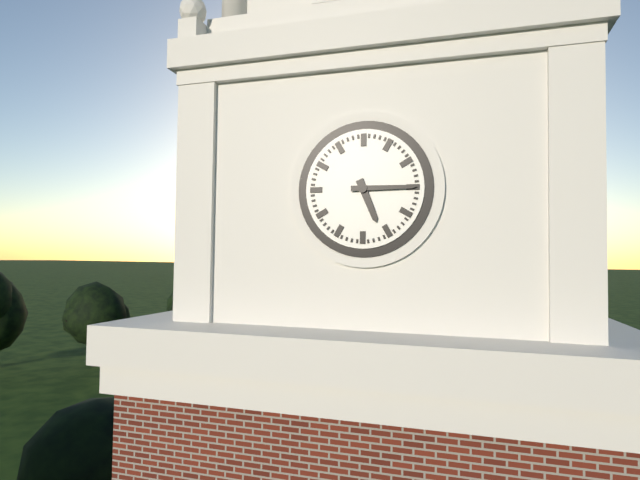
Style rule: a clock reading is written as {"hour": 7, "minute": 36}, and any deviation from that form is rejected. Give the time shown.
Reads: {"hour": 5, "minute": 15}
